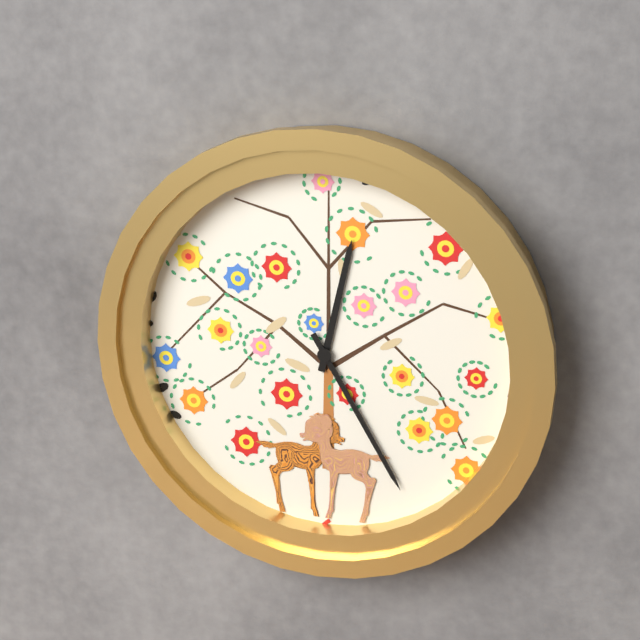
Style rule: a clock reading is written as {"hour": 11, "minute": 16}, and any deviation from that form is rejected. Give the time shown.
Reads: {"hour": 12, "minute": 25}
